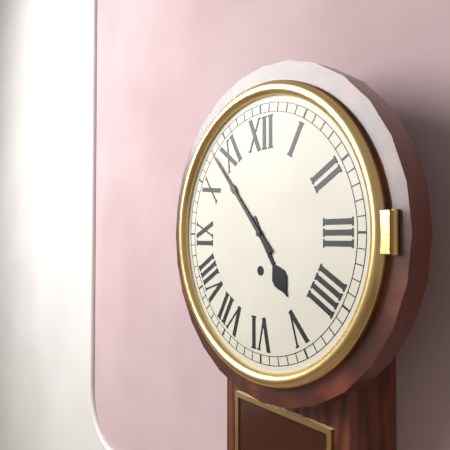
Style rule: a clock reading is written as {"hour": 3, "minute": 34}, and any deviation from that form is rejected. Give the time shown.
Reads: {"hour": 4, "minute": 53}
